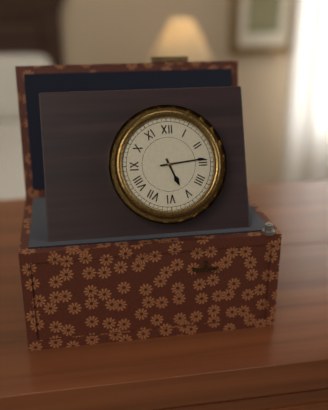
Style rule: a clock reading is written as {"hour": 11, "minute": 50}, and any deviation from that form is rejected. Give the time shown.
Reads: {"hour": 5, "minute": 14}
